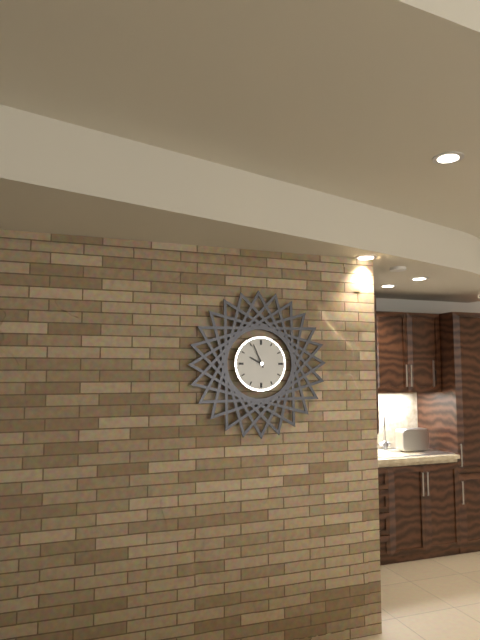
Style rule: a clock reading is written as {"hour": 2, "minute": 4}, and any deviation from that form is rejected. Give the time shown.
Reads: {"hour": 9, "minute": 56}
